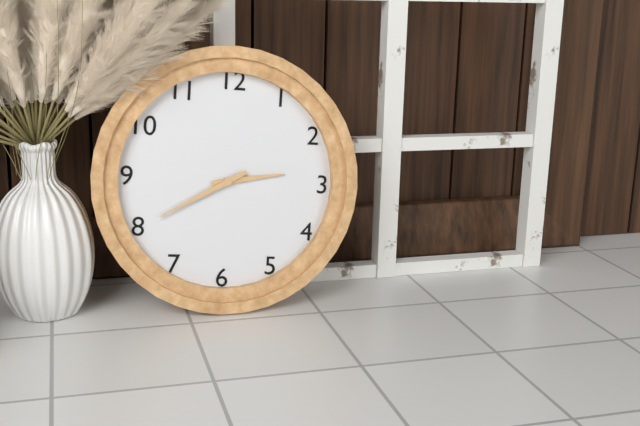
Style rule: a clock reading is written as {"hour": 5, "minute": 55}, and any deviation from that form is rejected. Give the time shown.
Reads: {"hour": 2, "minute": 40}
